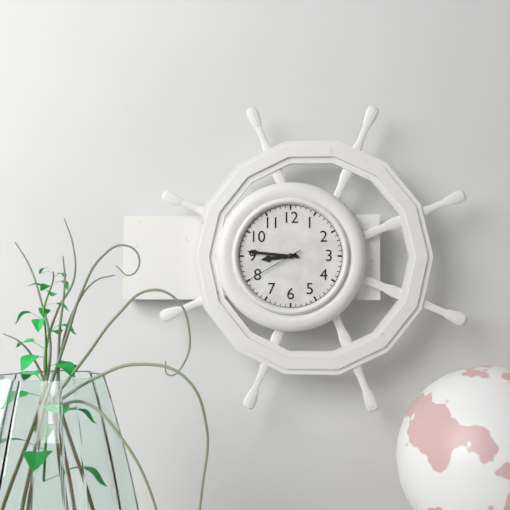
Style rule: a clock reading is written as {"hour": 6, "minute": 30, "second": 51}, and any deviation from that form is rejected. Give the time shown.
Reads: {"hour": 8, "minute": 46, "second": 40}
